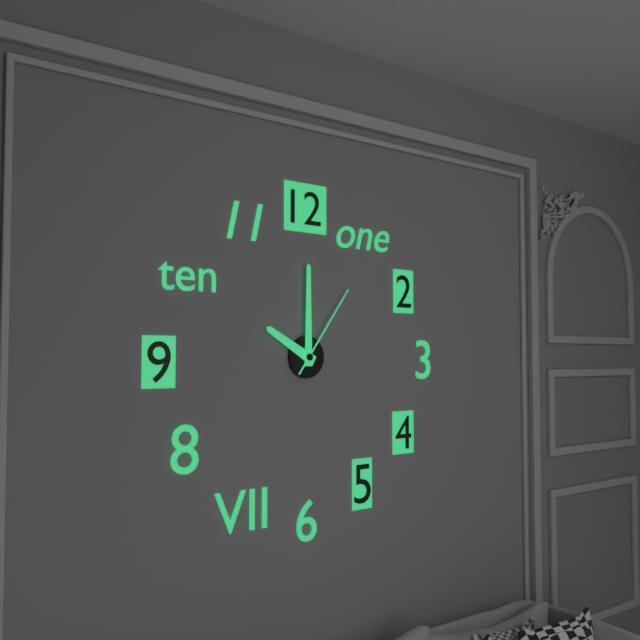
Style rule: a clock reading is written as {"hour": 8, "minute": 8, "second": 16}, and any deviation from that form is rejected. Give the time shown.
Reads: {"hour": 10, "minute": 0, "second": 6}
